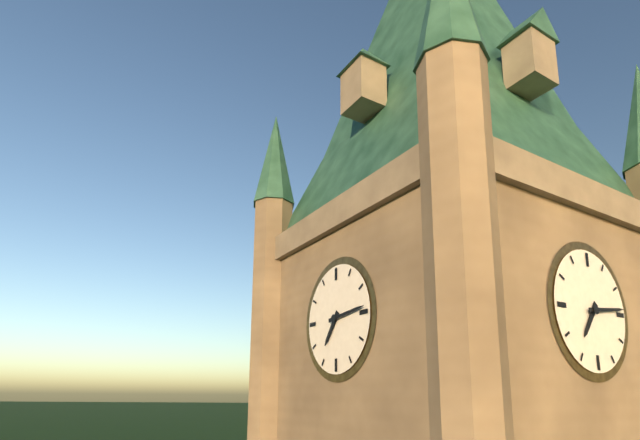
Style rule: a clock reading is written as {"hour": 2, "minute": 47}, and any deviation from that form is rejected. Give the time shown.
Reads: {"hour": 7, "minute": 14}
